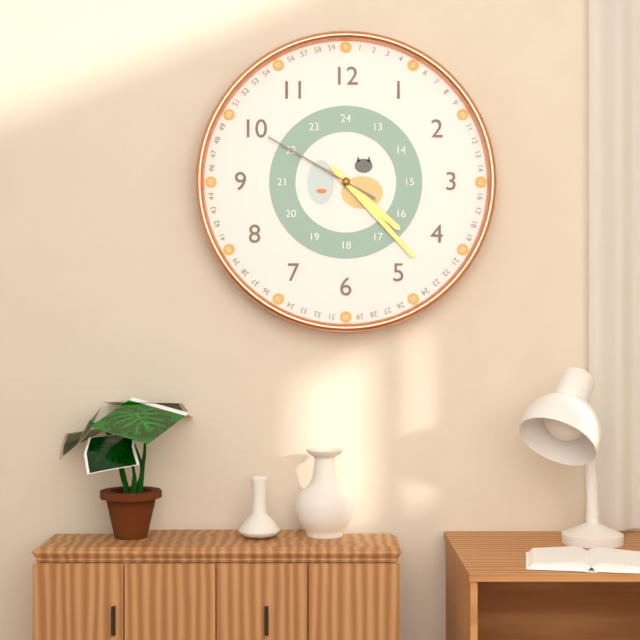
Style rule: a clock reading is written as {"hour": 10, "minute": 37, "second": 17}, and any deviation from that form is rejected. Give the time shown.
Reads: {"hour": 4, "minute": 23, "second": 50}
